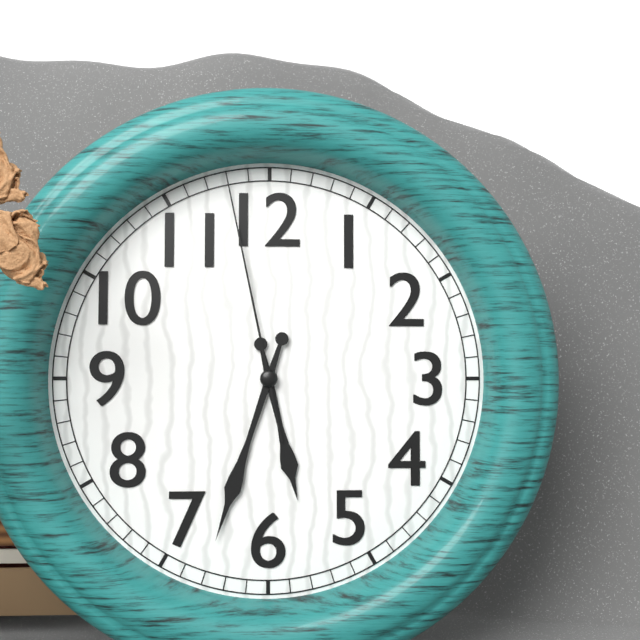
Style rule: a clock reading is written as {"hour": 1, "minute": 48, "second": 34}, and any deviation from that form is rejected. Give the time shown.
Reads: {"hour": 5, "minute": 33, "second": 58}
